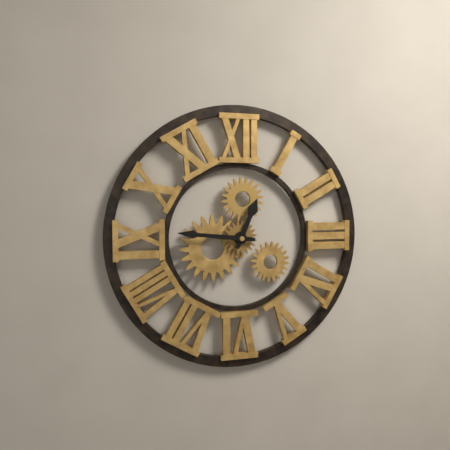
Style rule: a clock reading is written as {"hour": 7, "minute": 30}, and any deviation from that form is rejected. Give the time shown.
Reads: {"hour": 12, "minute": 46}
